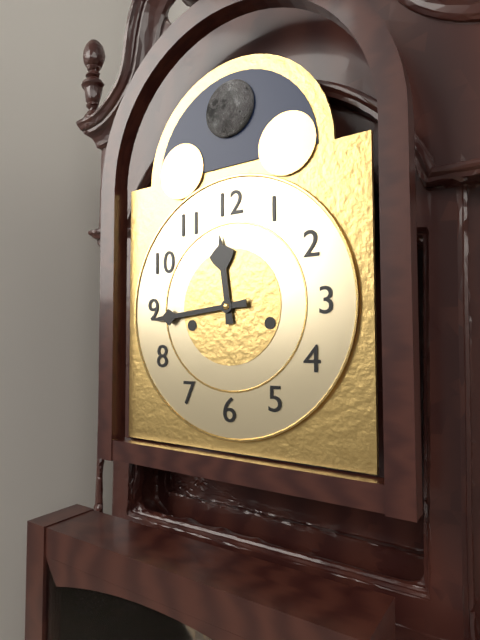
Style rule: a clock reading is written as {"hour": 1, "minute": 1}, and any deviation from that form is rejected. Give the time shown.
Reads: {"hour": 11, "minute": 44}
